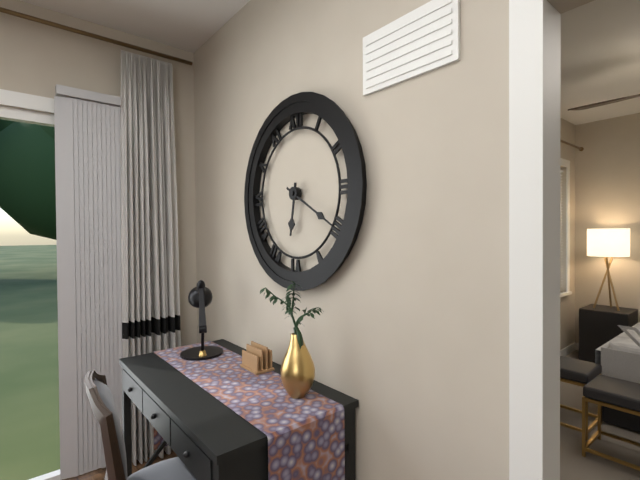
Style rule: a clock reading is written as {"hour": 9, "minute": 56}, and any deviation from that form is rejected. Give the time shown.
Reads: {"hour": 6, "minute": 20}
